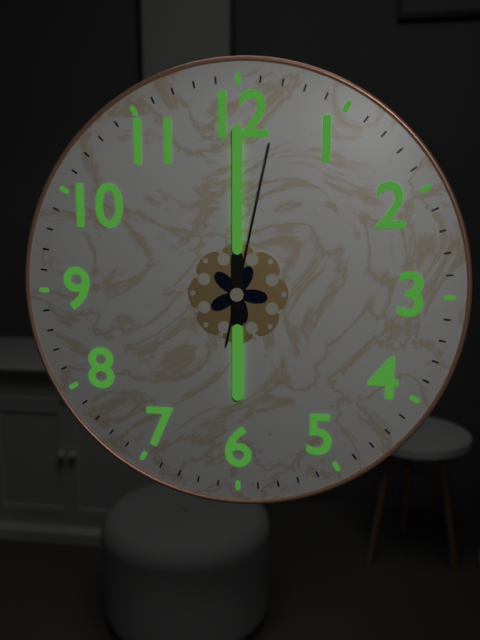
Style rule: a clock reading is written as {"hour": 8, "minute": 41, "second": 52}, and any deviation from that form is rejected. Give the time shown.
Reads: {"hour": 6, "minute": 0, "second": 2}
